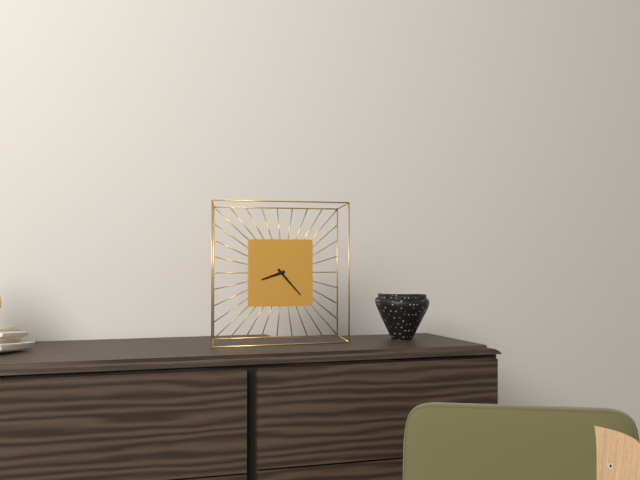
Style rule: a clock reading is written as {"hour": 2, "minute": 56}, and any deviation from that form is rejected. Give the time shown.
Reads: {"hour": 8, "minute": 23}
